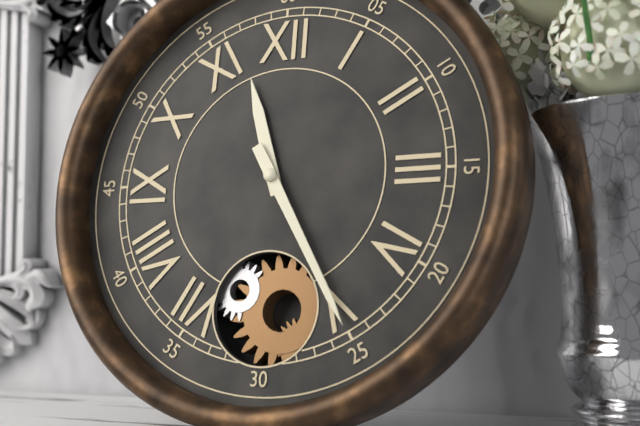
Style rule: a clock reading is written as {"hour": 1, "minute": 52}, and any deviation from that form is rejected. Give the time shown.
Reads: {"hour": 11, "minute": 25}
